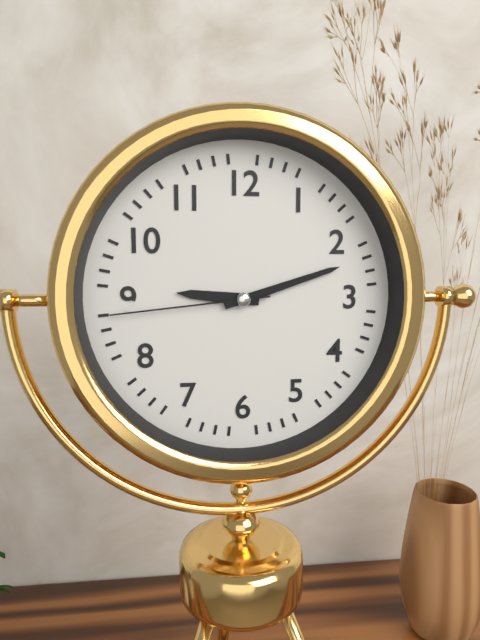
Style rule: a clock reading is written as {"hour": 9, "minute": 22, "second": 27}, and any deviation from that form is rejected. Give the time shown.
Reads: {"hour": 9, "minute": 12, "second": 44}
